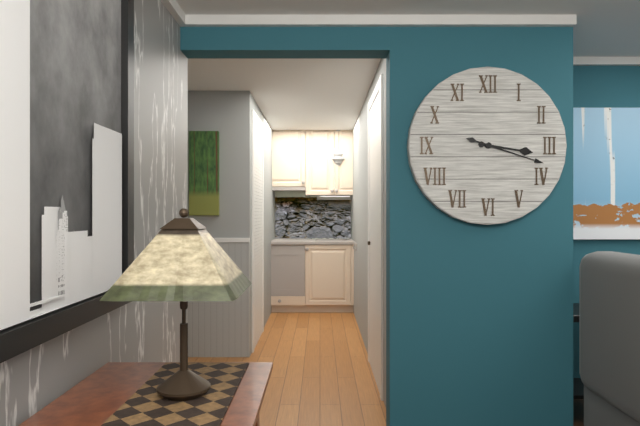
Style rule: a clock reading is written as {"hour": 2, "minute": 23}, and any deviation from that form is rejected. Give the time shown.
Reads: {"hour": 3, "minute": 18}
